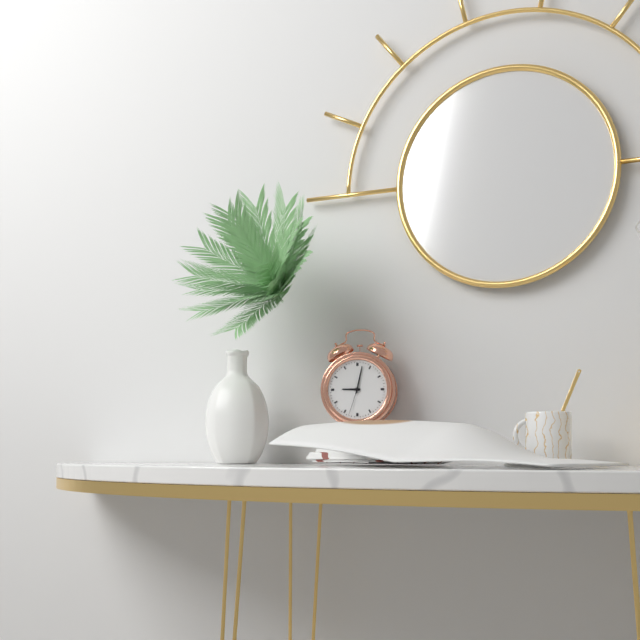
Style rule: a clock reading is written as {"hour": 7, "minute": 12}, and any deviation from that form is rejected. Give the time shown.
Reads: {"hour": 9, "minute": 2}
